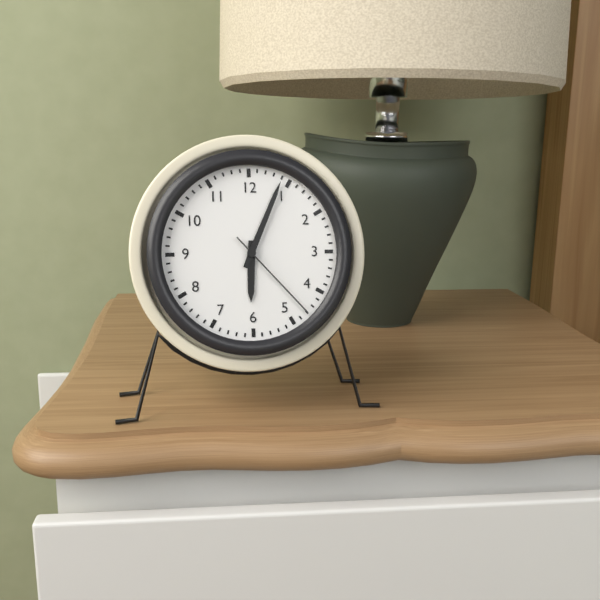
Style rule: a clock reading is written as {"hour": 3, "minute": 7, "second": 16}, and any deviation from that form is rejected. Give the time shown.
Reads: {"hour": 6, "minute": 4, "second": 23}
